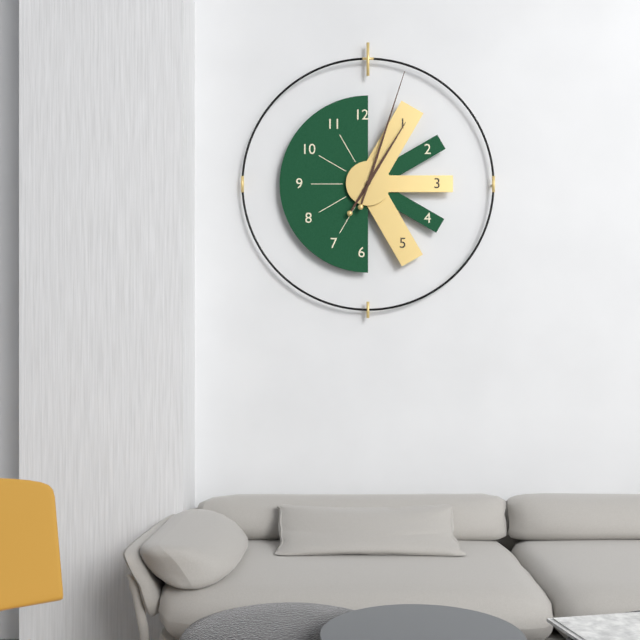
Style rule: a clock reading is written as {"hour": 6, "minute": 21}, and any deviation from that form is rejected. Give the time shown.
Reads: {"hour": 1, "minute": 3}
